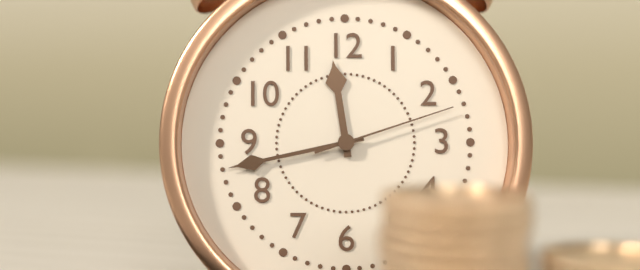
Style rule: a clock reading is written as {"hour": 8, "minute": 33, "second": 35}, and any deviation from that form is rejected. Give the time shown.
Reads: {"hour": 11, "minute": 43, "second": 12}
